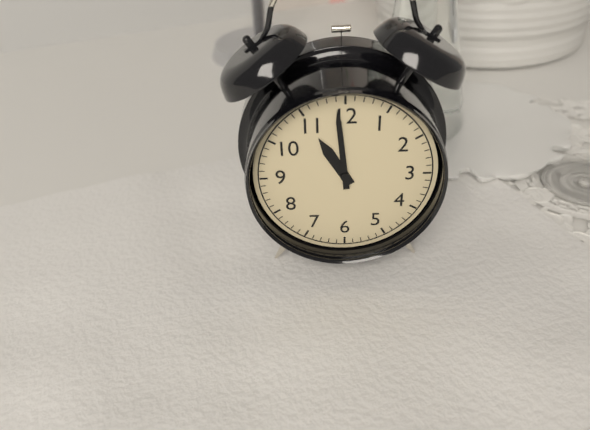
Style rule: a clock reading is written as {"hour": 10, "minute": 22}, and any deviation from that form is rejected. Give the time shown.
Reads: {"hour": 10, "minute": 59}
